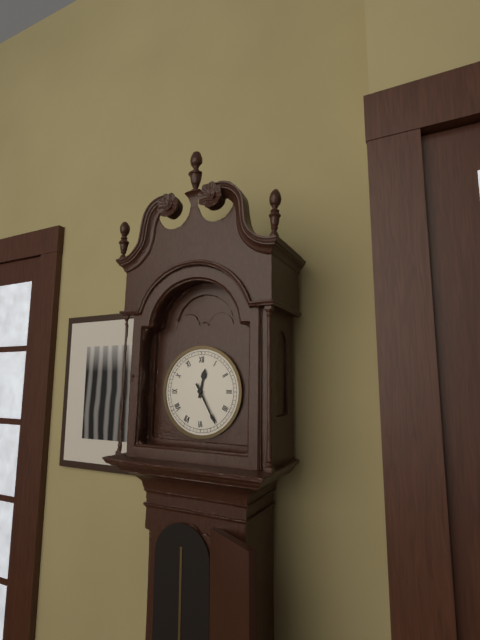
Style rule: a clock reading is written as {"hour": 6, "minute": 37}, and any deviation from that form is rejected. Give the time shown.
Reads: {"hour": 12, "minute": 25}
